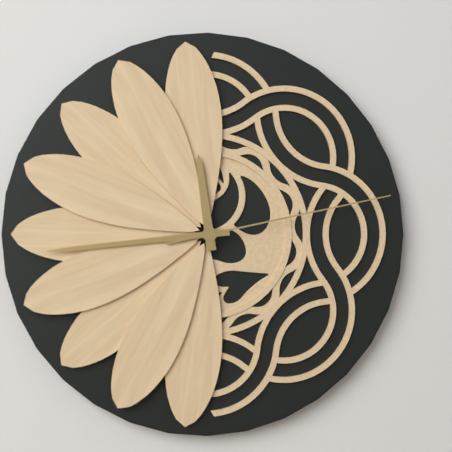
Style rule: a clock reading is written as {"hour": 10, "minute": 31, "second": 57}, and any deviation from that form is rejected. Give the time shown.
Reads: {"hour": 11, "minute": 44, "second": 13}
